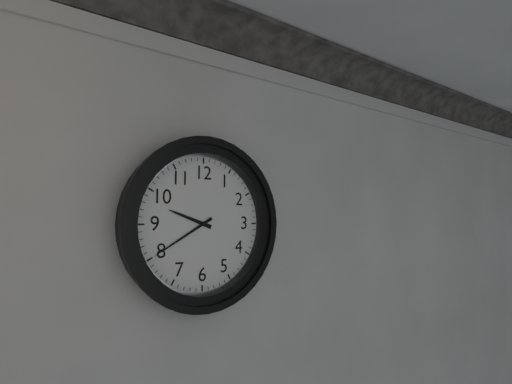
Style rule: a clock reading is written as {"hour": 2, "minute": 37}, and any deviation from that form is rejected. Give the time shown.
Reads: {"hour": 9, "minute": 40}
